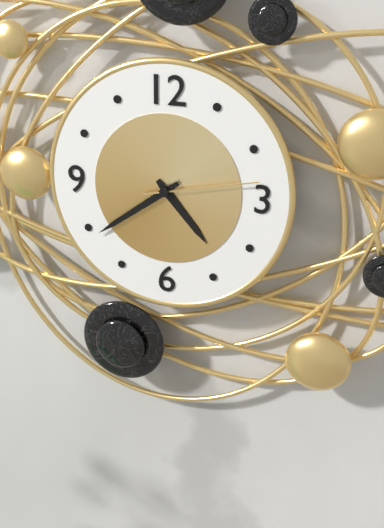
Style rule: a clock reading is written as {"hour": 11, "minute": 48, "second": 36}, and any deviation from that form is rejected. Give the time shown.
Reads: {"hour": 4, "minute": 39, "second": 13}
